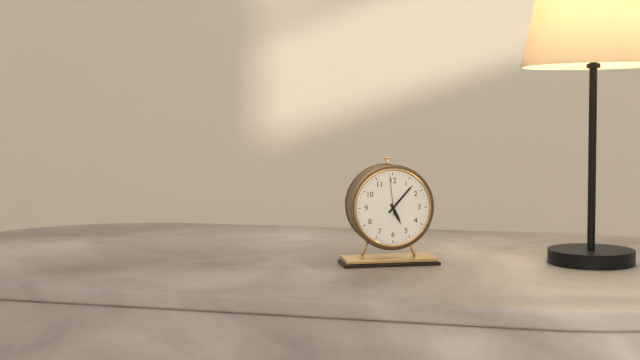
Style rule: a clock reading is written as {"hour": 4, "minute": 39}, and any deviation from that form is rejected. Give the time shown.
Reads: {"hour": 5, "minute": 7}
